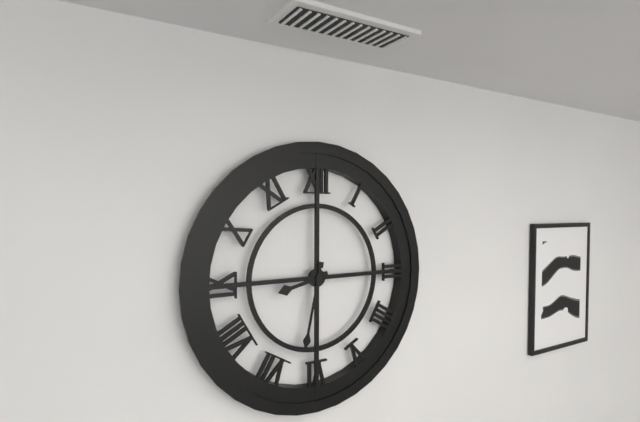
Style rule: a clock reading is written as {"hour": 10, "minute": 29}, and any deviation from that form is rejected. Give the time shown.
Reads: {"hour": 8, "minute": 32}
